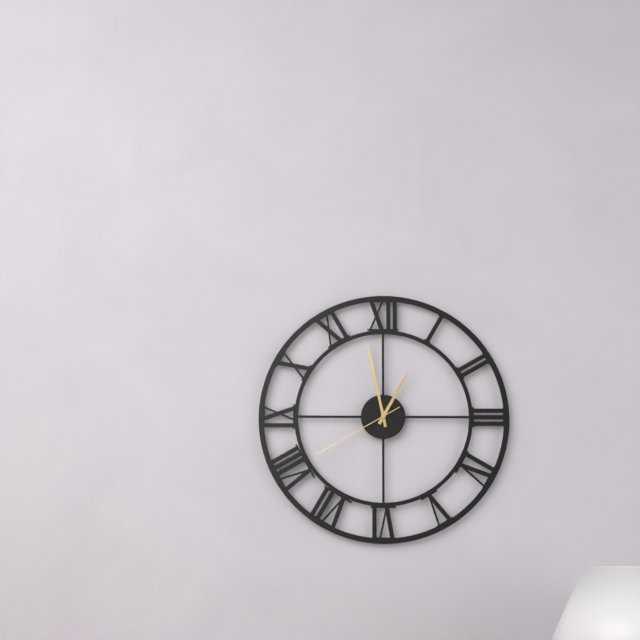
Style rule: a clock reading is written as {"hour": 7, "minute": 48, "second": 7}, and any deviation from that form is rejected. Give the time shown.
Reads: {"hour": 12, "minute": 58, "second": 40}
